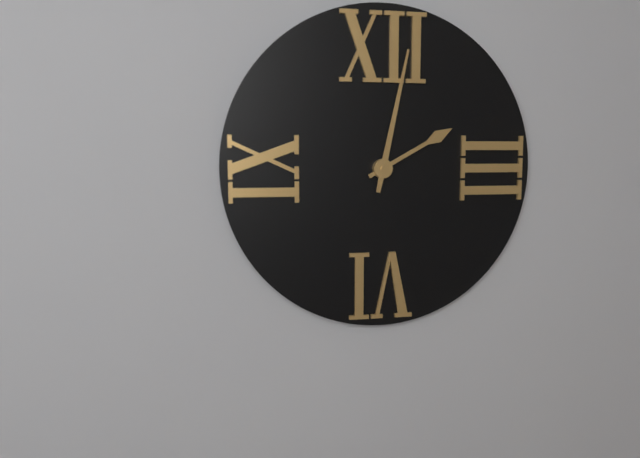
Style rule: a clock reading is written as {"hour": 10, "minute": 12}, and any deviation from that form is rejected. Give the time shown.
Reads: {"hour": 2, "minute": 2}
